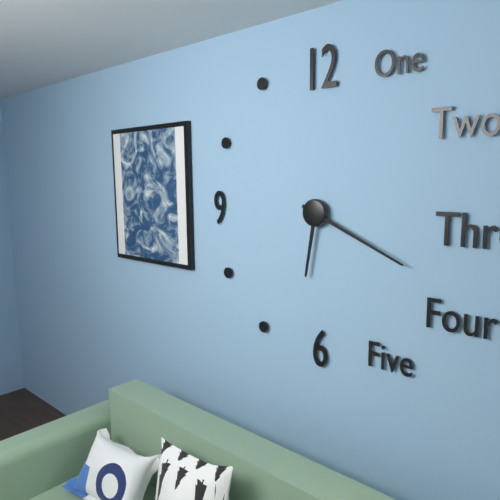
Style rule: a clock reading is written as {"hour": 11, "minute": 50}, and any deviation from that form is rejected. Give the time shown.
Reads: {"hour": 6, "minute": 19}
